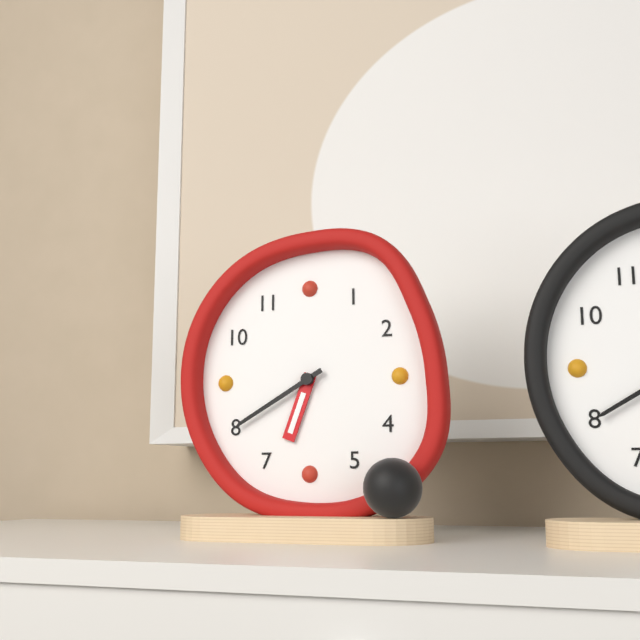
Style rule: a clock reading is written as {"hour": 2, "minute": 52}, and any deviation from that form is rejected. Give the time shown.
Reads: {"hour": 6, "minute": 40}
